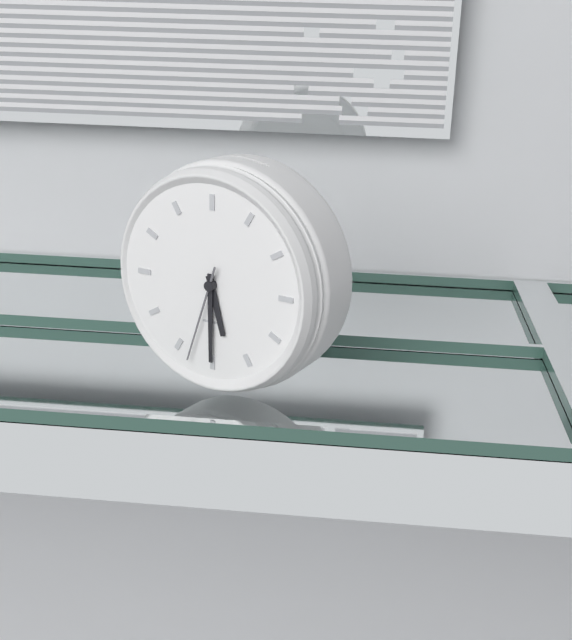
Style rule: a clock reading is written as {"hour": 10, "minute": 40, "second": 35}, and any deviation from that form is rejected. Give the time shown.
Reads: {"hour": 5, "minute": 30, "second": 33}
